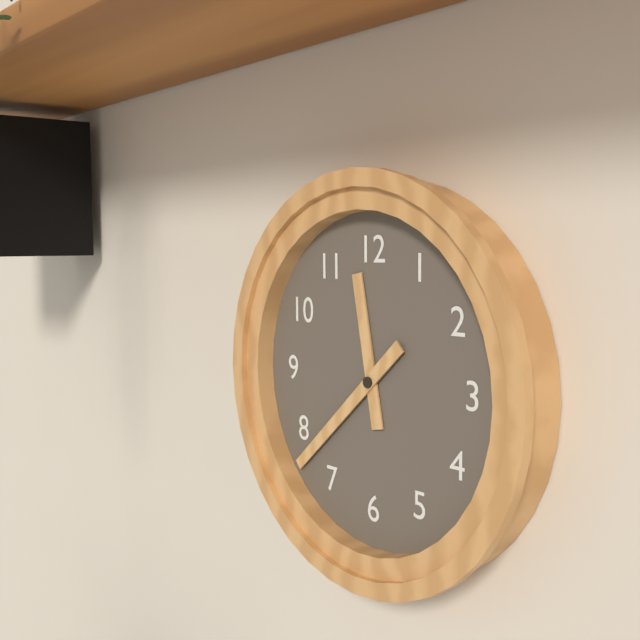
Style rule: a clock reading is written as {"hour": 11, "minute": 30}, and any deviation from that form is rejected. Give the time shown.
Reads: {"hour": 11, "minute": 38}
